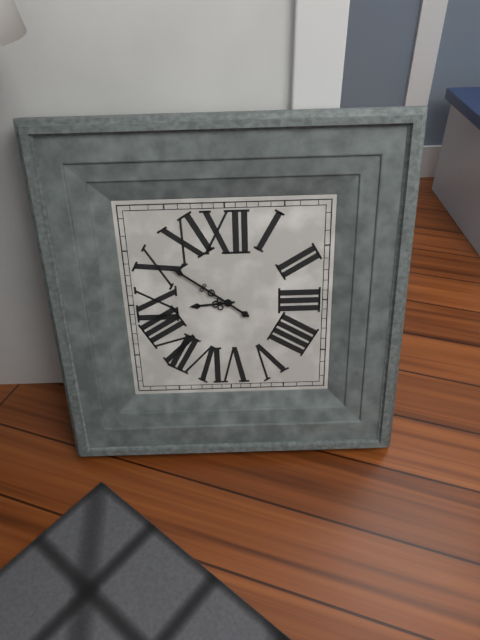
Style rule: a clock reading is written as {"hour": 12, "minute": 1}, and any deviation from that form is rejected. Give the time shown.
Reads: {"hour": 8, "minute": 51}
